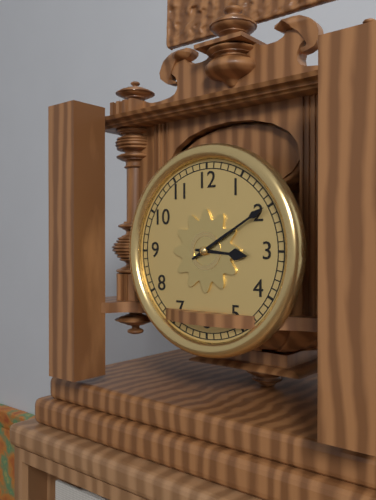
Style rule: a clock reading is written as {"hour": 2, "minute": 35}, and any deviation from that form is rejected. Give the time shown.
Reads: {"hour": 3, "minute": 10}
